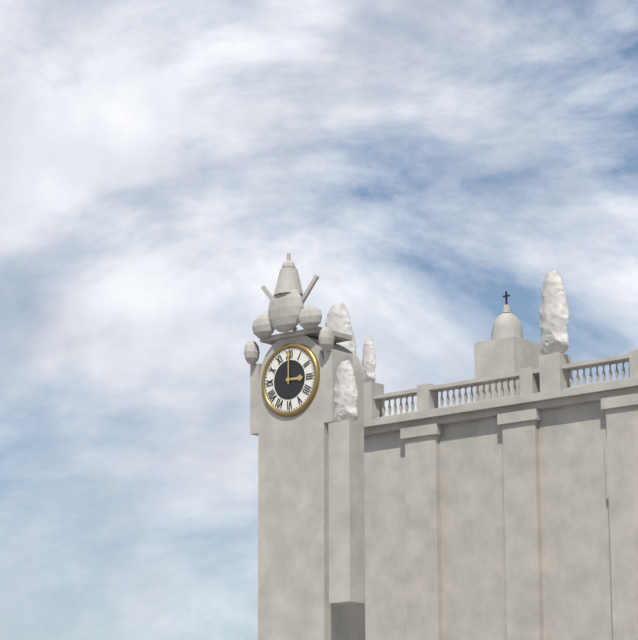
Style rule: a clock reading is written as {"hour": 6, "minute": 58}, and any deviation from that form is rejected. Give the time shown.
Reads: {"hour": 3, "minute": 0}
